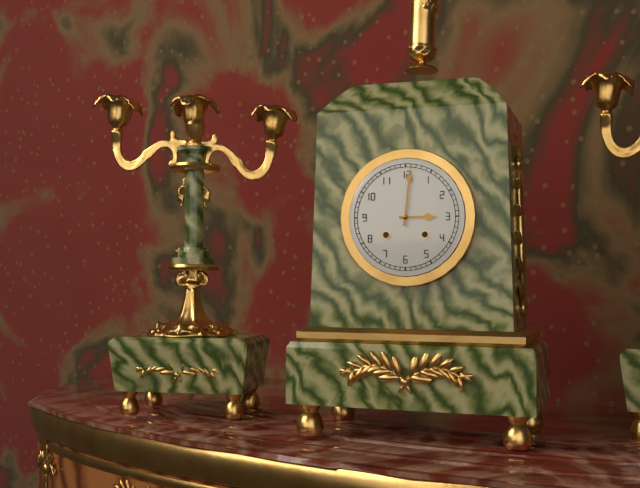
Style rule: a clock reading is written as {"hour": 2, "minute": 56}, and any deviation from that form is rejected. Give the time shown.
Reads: {"hour": 3, "minute": 1}
